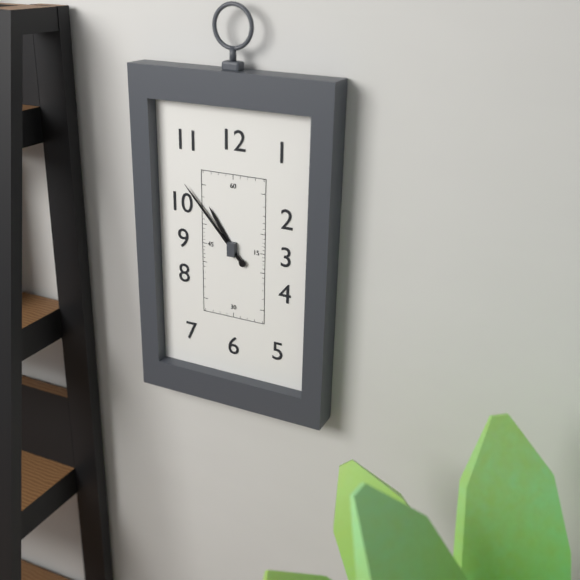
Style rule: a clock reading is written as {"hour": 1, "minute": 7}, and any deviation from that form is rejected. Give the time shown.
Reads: {"hour": 10, "minute": 53}
